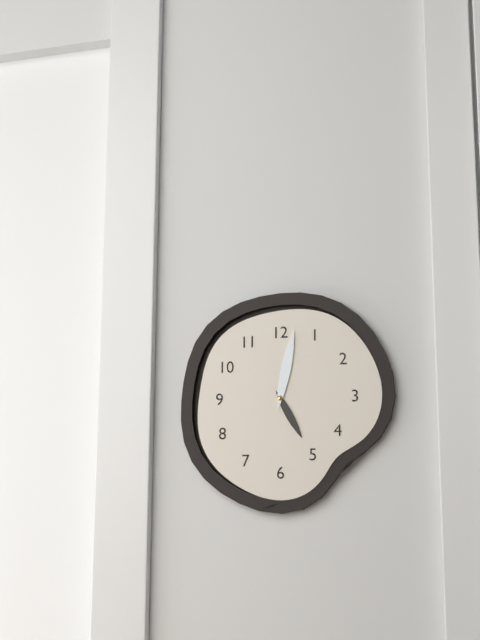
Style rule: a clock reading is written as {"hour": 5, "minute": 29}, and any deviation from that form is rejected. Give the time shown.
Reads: {"hour": 5, "minute": 2}
